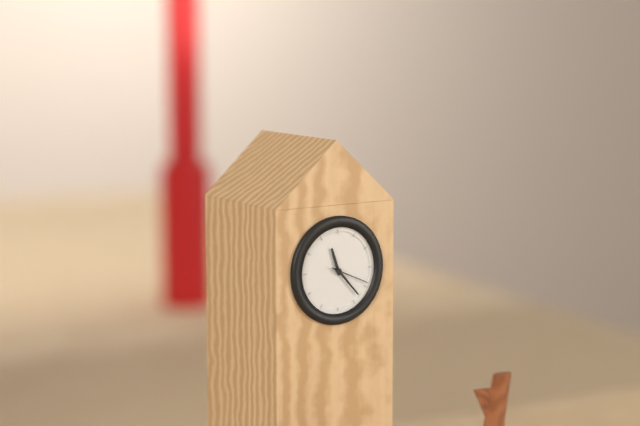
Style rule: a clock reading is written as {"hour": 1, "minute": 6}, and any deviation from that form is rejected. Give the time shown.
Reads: {"hour": 11, "minute": 23}
